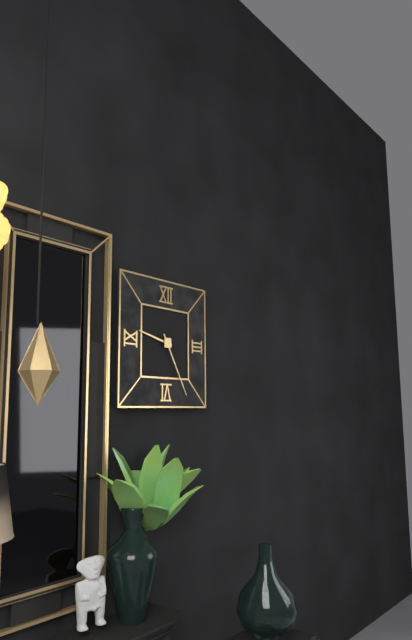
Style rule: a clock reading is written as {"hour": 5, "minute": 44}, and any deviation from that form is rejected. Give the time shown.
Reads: {"hour": 9, "minute": 25}
